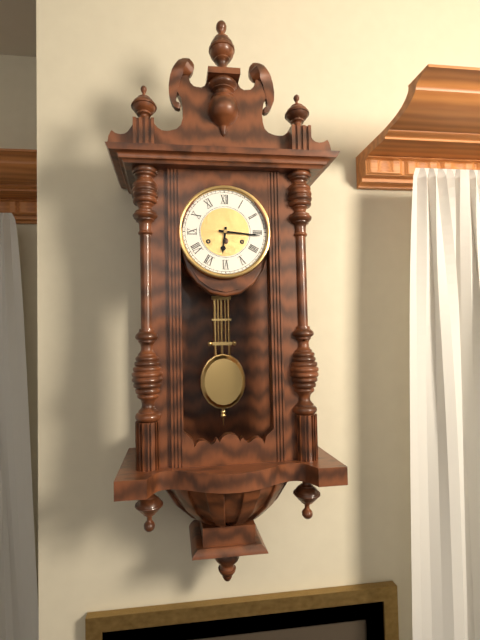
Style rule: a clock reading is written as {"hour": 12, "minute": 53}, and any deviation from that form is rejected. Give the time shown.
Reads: {"hour": 6, "minute": 16}
